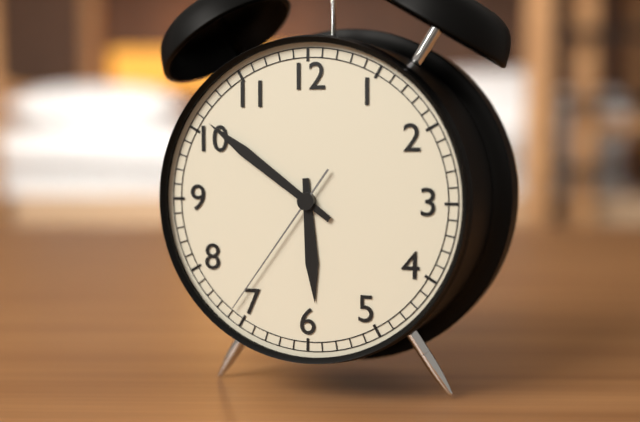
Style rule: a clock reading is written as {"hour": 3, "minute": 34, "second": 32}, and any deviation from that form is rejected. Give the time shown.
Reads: {"hour": 5, "minute": 51, "second": 36}
